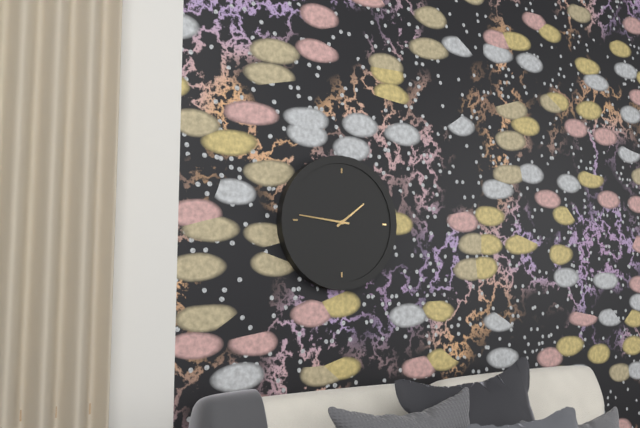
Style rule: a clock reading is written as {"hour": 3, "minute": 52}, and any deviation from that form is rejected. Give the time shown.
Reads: {"hour": 1, "minute": 46}
